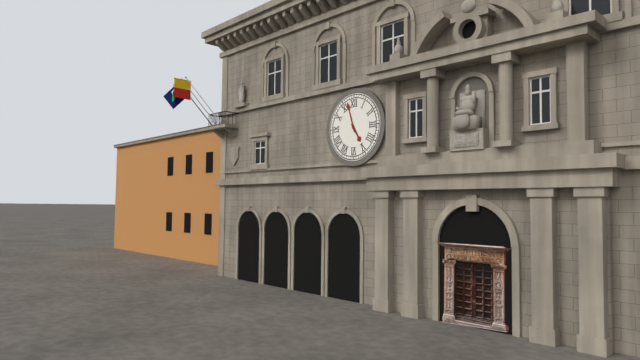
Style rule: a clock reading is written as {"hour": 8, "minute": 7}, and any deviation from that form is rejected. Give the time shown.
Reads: {"hour": 4, "minute": 57}
